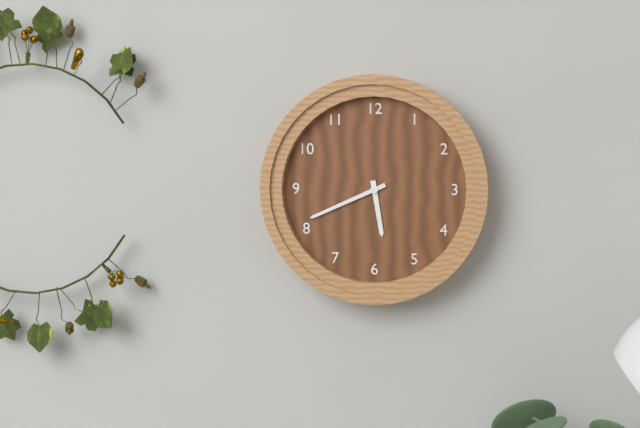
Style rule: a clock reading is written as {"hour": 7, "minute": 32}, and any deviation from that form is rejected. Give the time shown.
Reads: {"hour": 5, "minute": 41}
